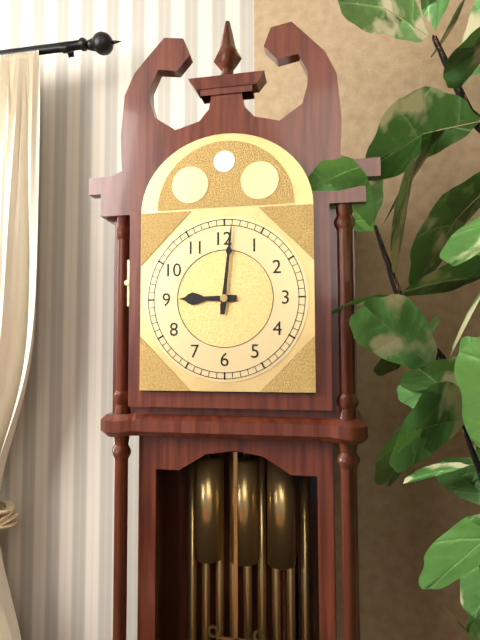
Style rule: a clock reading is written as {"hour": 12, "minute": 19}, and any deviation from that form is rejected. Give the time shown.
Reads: {"hour": 9, "minute": 1}
